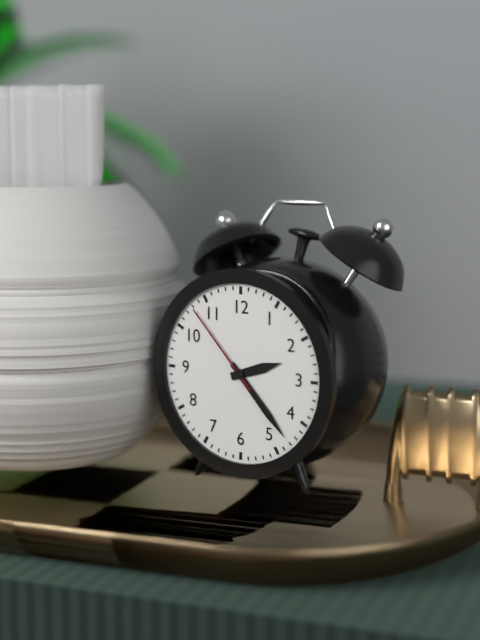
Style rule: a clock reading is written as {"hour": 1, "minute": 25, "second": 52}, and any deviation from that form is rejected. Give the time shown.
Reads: {"hour": 2, "minute": 23, "second": 53}
